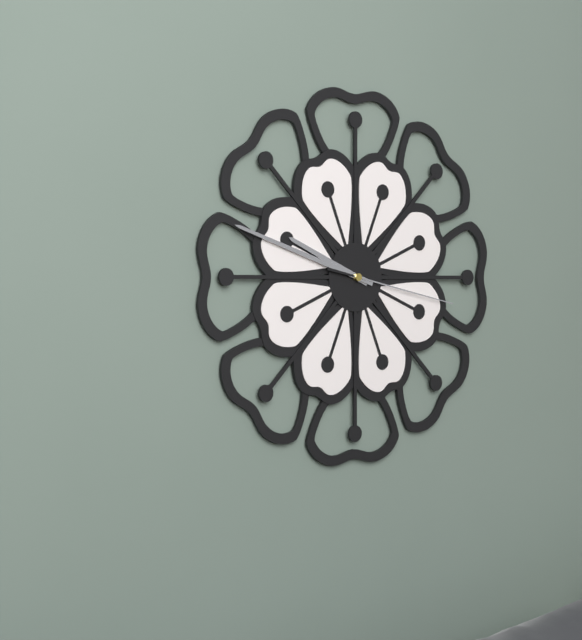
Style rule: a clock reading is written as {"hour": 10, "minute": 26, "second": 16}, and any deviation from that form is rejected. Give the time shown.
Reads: {"hour": 9, "minute": 48, "second": 17}
